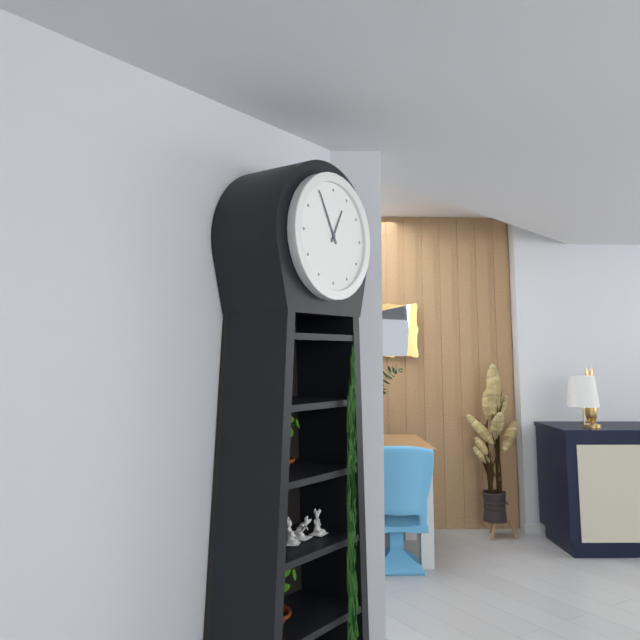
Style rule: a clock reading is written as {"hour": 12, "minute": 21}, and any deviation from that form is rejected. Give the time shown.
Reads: {"hour": 12, "minute": 55}
